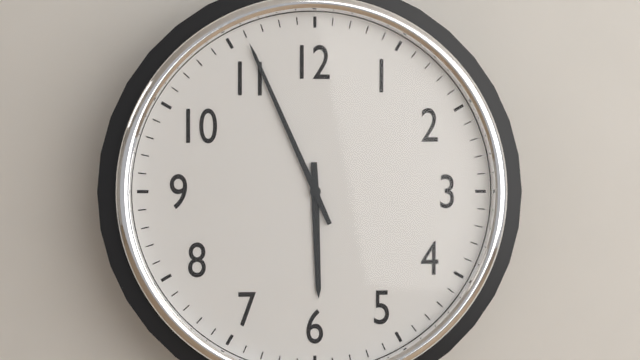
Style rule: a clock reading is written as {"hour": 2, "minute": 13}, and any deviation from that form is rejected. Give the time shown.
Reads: {"hour": 5, "minute": 56}
